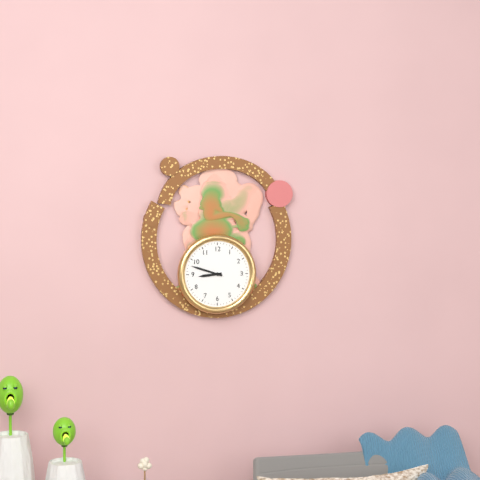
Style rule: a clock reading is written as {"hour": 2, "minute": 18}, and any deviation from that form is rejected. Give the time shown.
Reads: {"hour": 8, "minute": 48}
